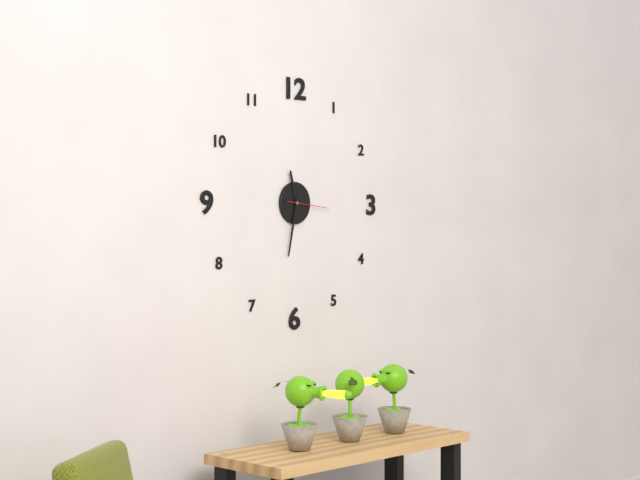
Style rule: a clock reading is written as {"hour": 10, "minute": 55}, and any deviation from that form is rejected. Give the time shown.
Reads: {"hour": 11, "minute": 32}
